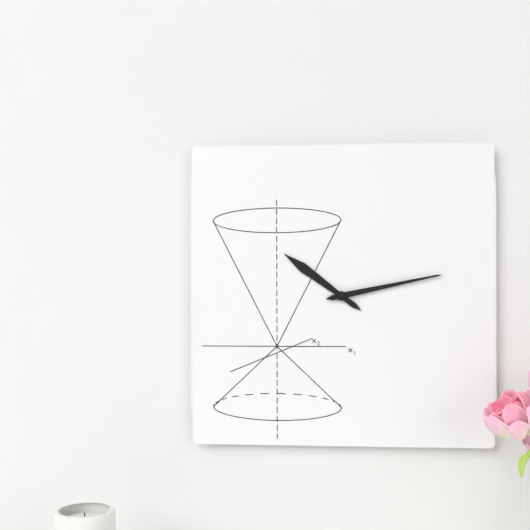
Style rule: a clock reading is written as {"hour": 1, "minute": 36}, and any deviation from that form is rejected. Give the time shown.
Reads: {"hour": 10, "minute": 13}
